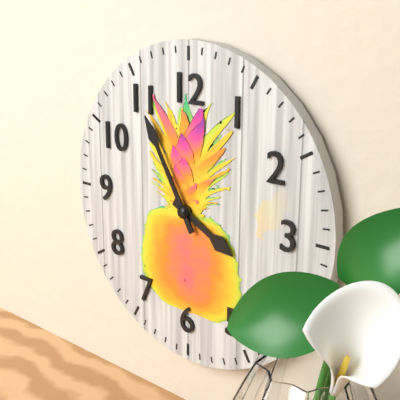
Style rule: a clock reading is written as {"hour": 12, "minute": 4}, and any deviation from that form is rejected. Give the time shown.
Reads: {"hour": 3, "minute": 55}
